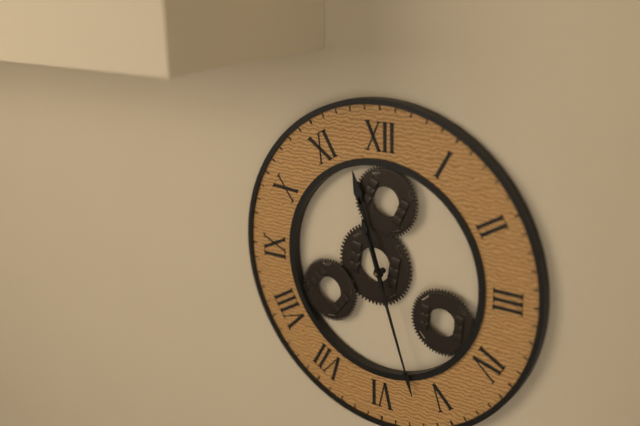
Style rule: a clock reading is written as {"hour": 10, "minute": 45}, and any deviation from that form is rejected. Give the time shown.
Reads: {"hour": 11, "minute": 27}
